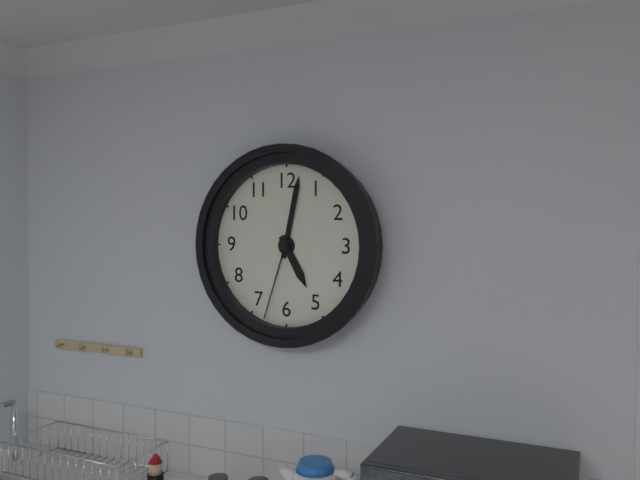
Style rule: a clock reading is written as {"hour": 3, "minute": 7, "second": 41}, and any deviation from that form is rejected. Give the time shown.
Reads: {"hour": 5, "minute": 2, "second": 33}
